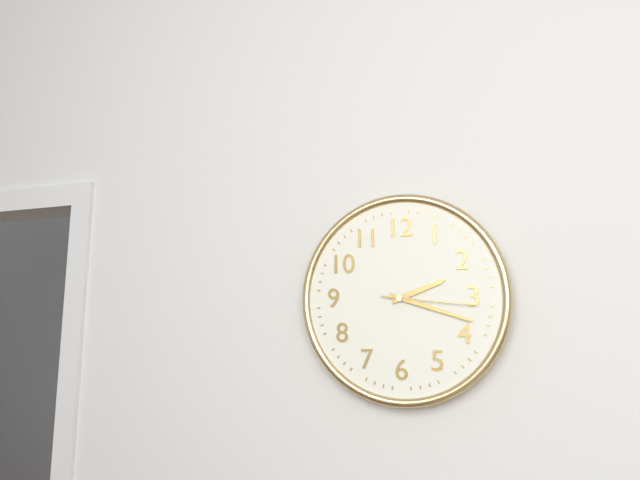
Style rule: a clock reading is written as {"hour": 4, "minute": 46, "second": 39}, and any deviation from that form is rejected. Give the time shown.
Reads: {"hour": 2, "minute": 18, "second": 16}
